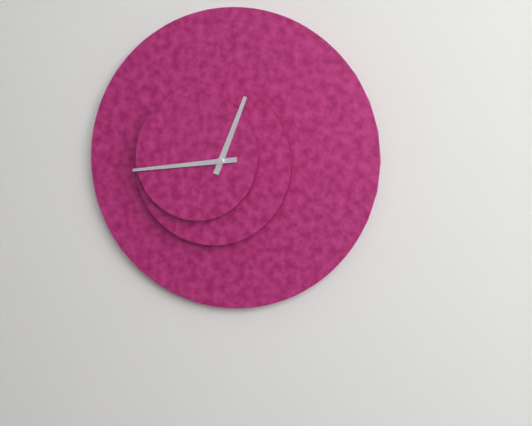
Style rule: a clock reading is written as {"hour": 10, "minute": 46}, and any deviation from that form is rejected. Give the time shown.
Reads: {"hour": 12, "minute": 44}
